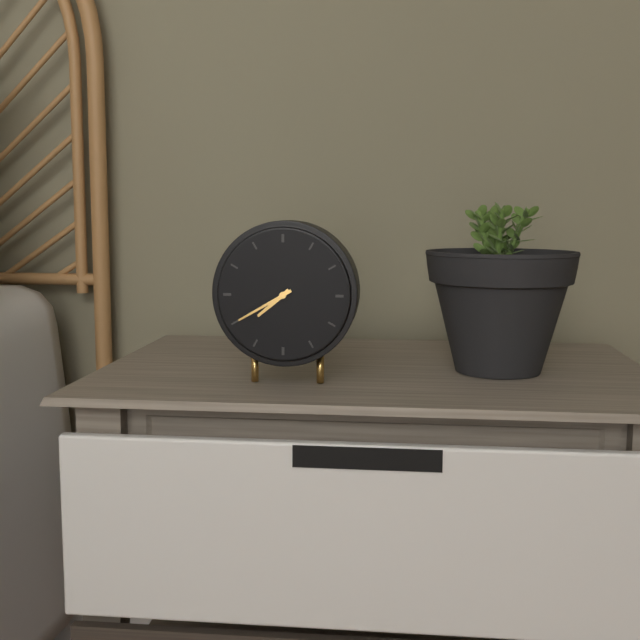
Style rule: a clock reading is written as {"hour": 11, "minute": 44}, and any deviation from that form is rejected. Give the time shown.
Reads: {"hour": 7, "minute": 40}
